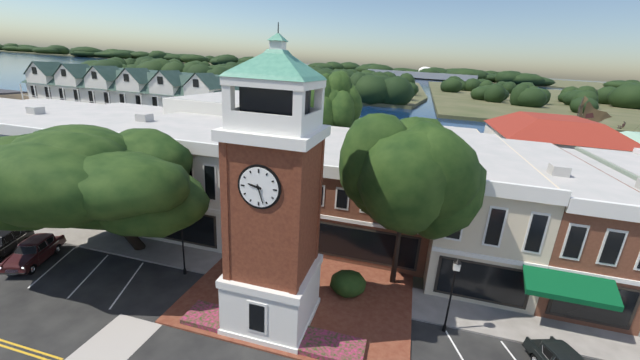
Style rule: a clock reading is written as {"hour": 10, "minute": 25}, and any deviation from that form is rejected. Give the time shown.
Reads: {"hour": 9, "minute": 27}
